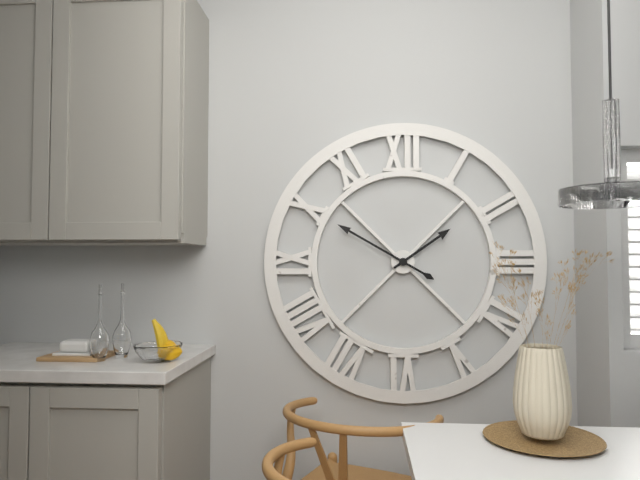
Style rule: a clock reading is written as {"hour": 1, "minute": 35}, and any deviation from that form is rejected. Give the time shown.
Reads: {"hour": 1, "minute": 50}
